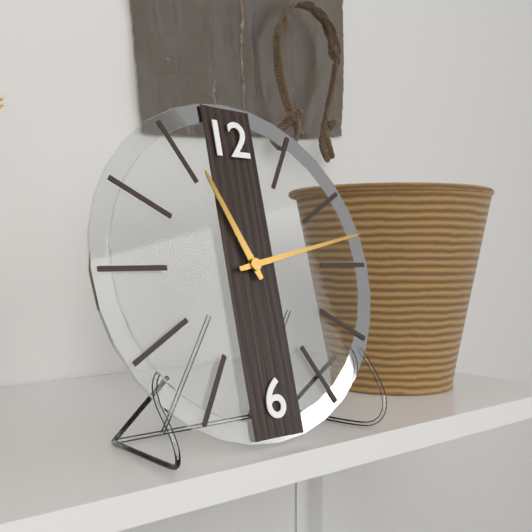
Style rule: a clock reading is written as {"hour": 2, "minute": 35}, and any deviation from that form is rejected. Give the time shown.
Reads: {"hour": 11, "minute": 13}
